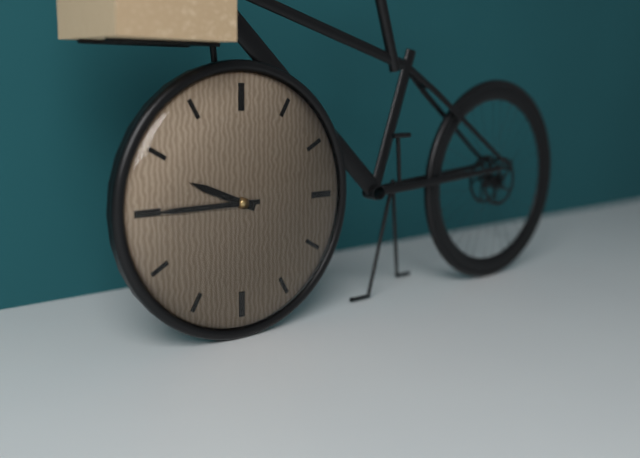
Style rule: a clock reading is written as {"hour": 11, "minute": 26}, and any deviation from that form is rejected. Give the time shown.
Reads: {"hour": 9, "minute": 45}
